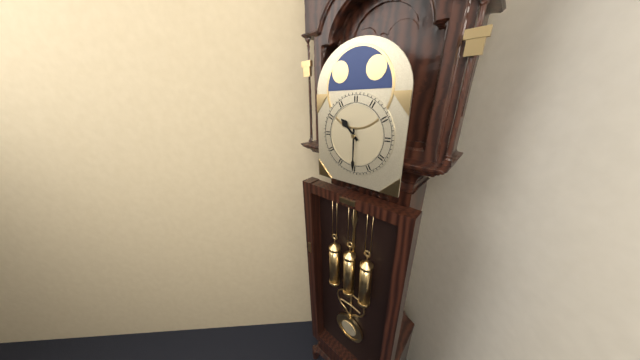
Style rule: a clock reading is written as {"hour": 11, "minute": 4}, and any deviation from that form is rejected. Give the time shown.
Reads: {"hour": 10, "minute": 30}
